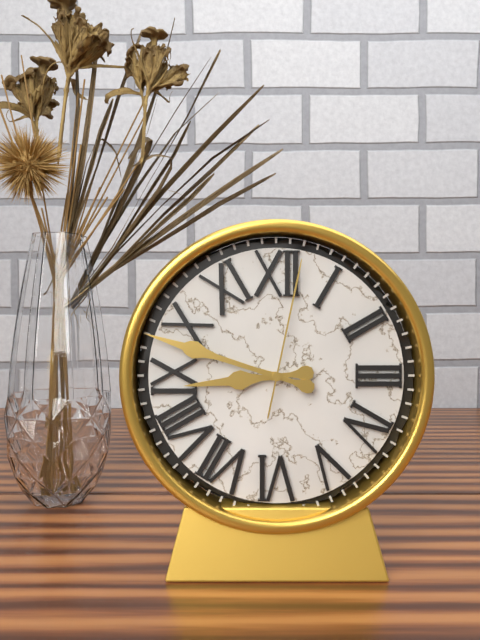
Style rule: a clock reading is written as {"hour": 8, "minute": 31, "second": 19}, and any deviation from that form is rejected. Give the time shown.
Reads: {"hour": 8, "minute": 48, "second": 2}
